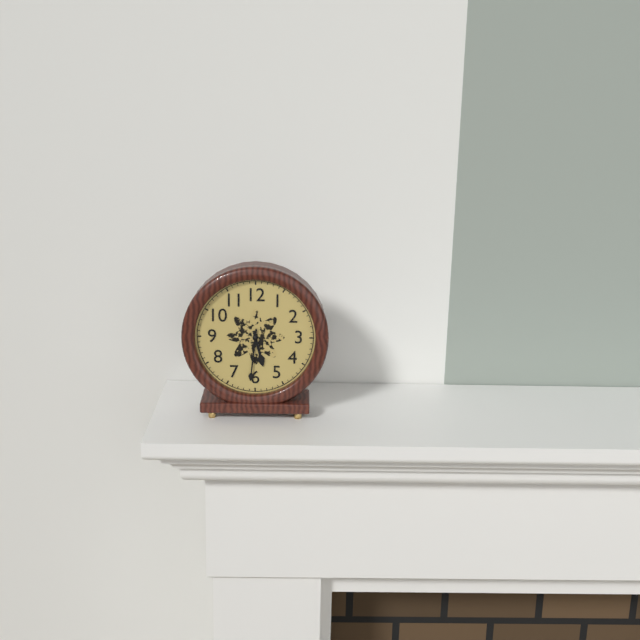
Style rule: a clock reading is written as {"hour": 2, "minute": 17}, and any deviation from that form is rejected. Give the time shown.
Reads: {"hour": 5, "minute": 31}
